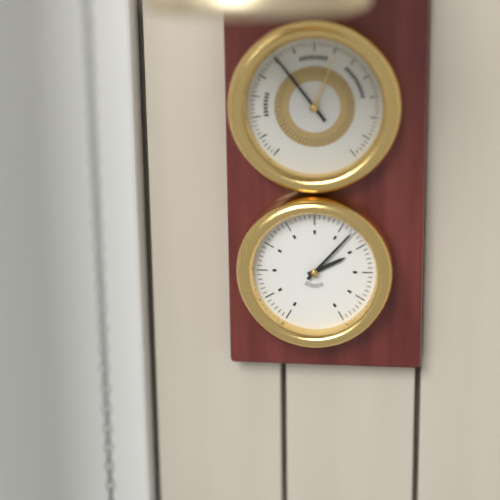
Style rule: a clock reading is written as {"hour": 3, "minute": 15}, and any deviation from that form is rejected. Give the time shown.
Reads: {"hour": 2, "minute": 7}
